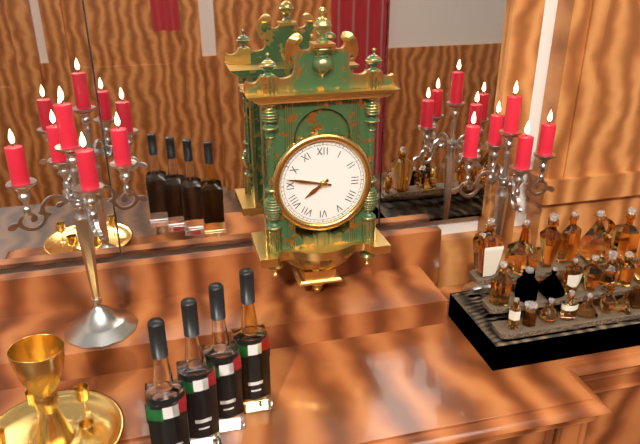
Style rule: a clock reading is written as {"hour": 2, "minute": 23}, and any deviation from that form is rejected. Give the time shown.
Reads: {"hour": 7, "minute": 47}
